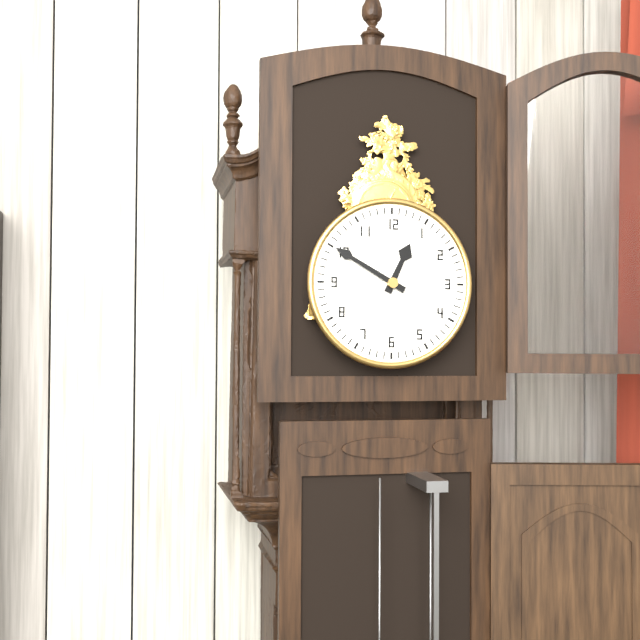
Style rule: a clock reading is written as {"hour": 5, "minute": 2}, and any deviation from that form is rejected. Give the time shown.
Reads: {"hour": 12, "minute": 50}
